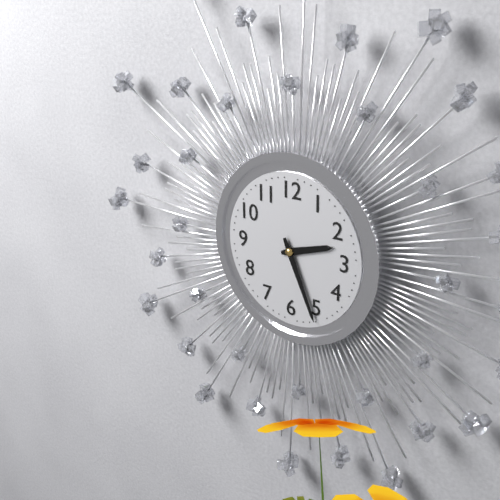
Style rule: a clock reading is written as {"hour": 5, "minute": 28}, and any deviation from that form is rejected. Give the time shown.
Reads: {"hour": 2, "minute": 26}
